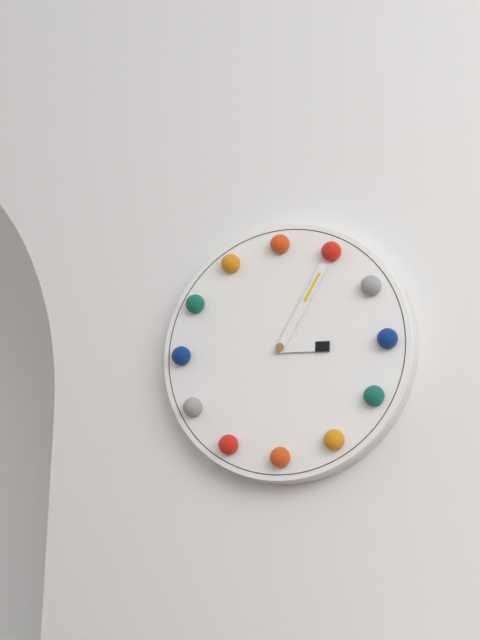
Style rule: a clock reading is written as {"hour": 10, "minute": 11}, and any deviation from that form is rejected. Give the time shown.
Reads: {"hour": 3, "minute": 5}
